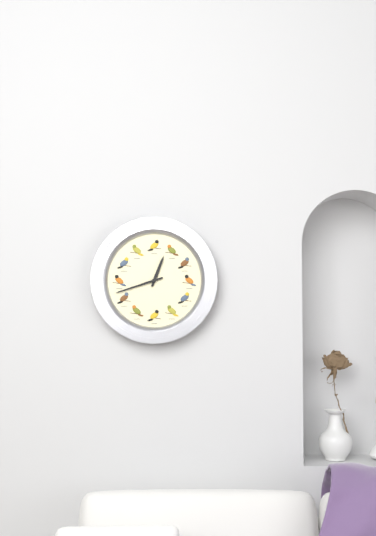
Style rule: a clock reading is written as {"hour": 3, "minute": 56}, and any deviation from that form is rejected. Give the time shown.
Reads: {"hour": 12, "minute": 42}
